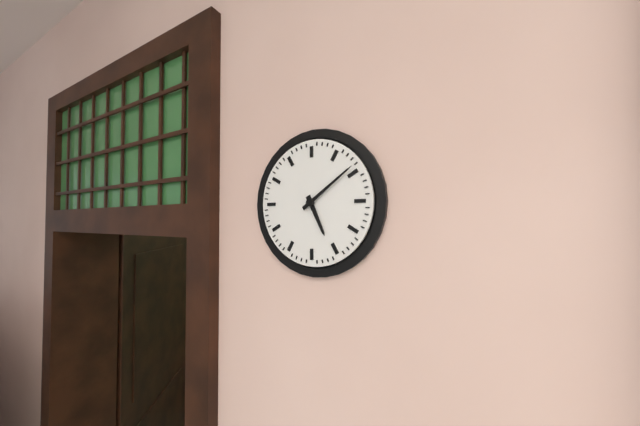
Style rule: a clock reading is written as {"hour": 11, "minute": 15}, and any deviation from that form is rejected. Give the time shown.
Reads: {"hour": 5, "minute": 9}
